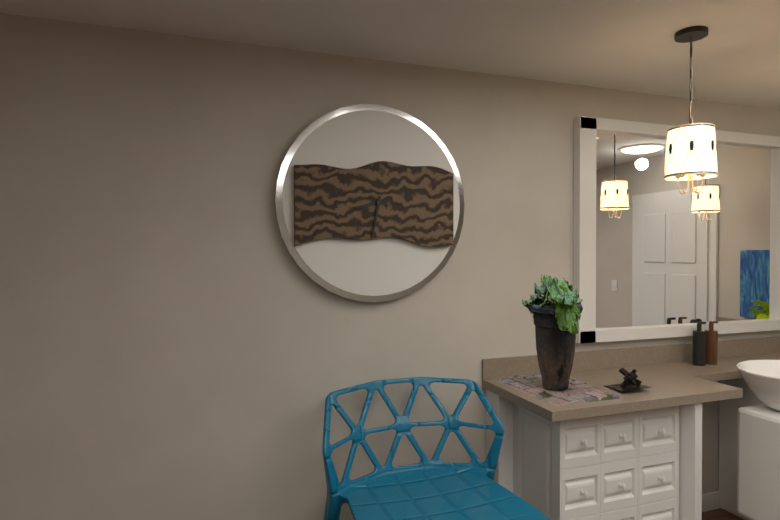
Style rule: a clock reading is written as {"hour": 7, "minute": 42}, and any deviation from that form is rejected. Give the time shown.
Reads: {"hour": 8, "minute": 32}
